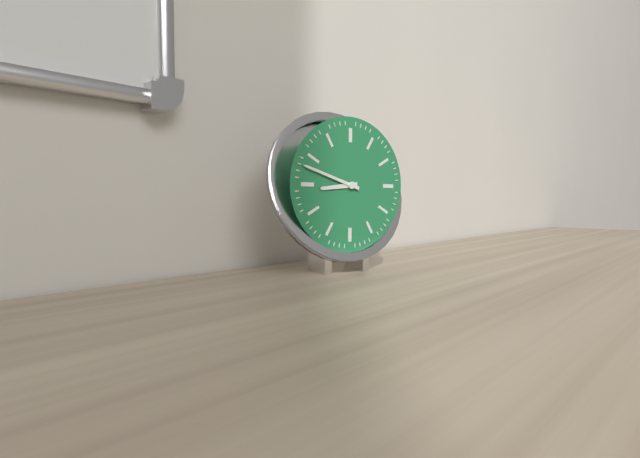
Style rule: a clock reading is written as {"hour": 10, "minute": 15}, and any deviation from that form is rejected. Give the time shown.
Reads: {"hour": 8, "minute": 48}
